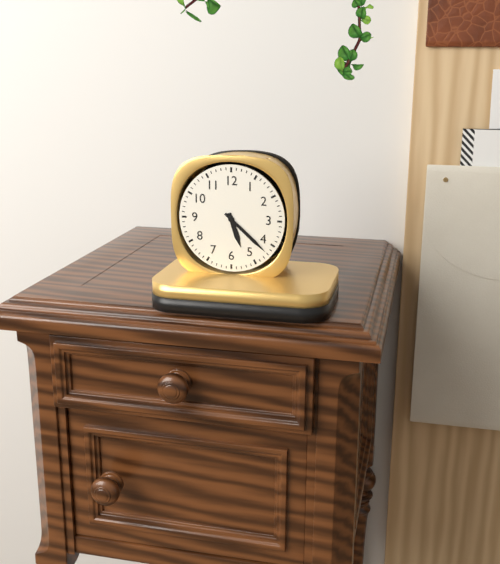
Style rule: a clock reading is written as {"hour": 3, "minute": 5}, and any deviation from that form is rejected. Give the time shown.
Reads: {"hour": 5, "minute": 22}
